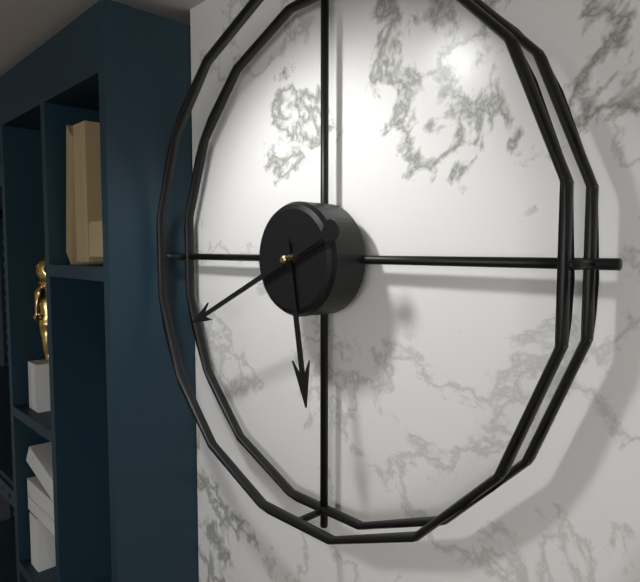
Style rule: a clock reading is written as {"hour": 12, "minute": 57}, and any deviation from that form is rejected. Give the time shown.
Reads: {"hour": 5, "minute": 41}
